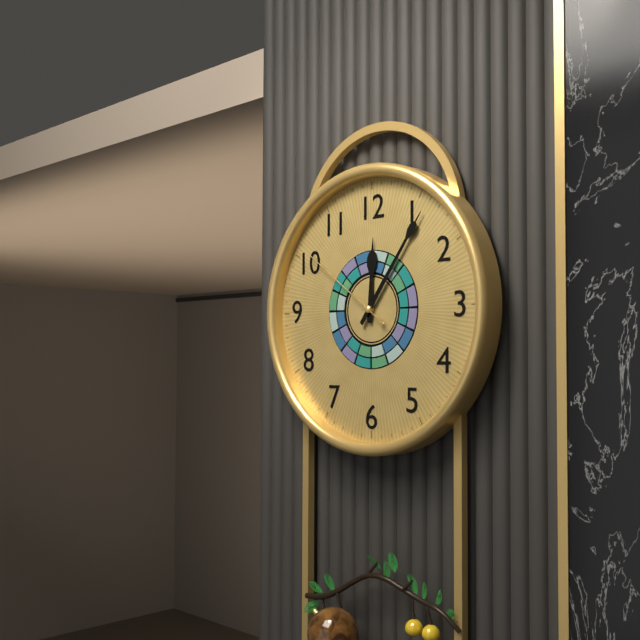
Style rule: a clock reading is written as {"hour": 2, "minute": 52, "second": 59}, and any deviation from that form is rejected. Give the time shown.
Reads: {"hour": 12, "minute": 6, "second": 51}
